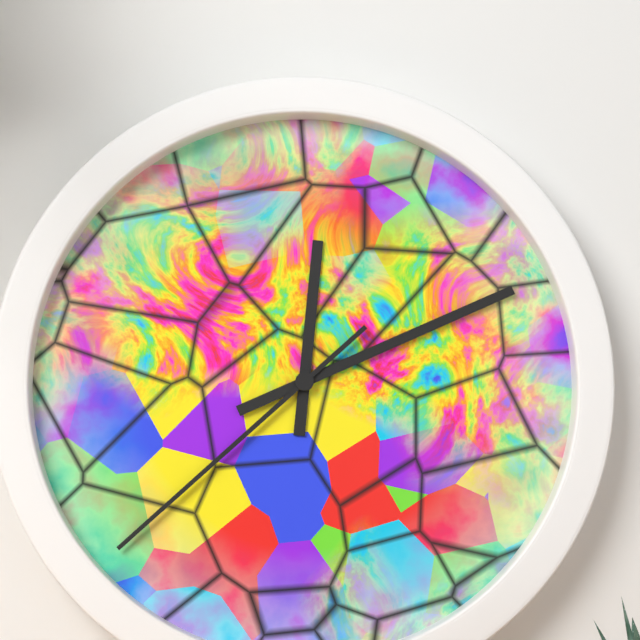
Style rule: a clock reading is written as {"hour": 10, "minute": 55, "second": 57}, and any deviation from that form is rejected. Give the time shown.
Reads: {"hour": 12, "minute": 11, "second": 38}
